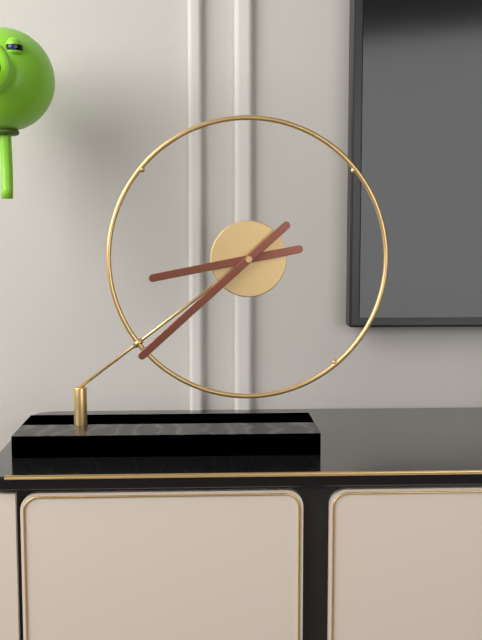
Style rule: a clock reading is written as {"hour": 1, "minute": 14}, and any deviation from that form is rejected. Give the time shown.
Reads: {"hour": 8, "minute": 38}
